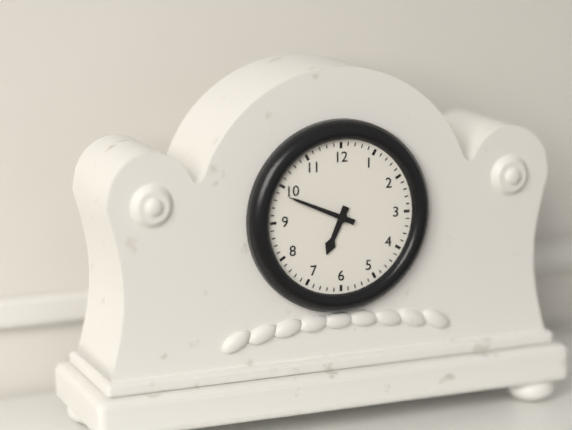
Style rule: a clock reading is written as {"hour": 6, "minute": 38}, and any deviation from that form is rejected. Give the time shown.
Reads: {"hour": 6, "minute": 49}
